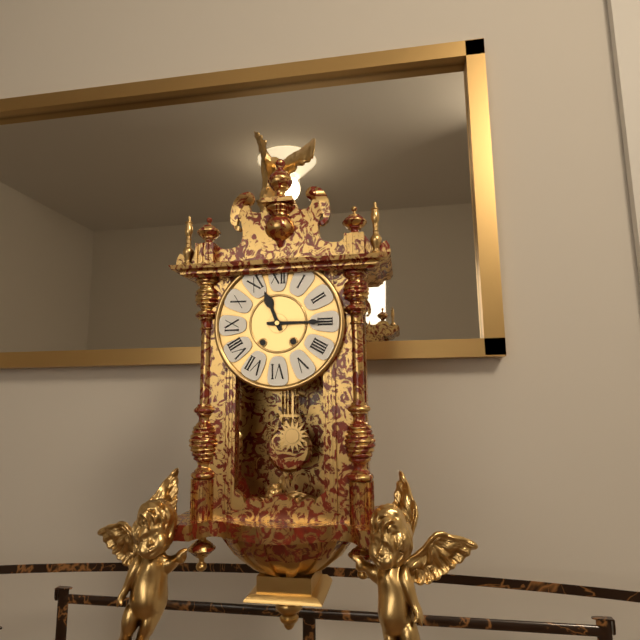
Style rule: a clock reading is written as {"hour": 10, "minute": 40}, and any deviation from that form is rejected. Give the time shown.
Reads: {"hour": 11, "minute": 15}
